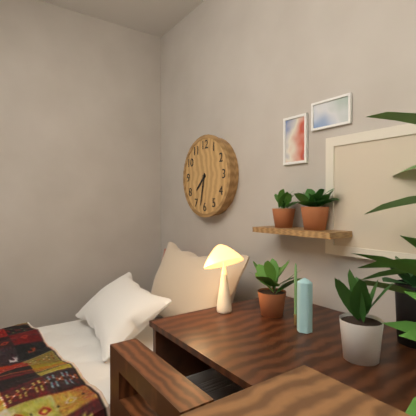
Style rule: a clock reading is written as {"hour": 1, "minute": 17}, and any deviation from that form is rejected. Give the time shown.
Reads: {"hour": 7, "minute": 32}
